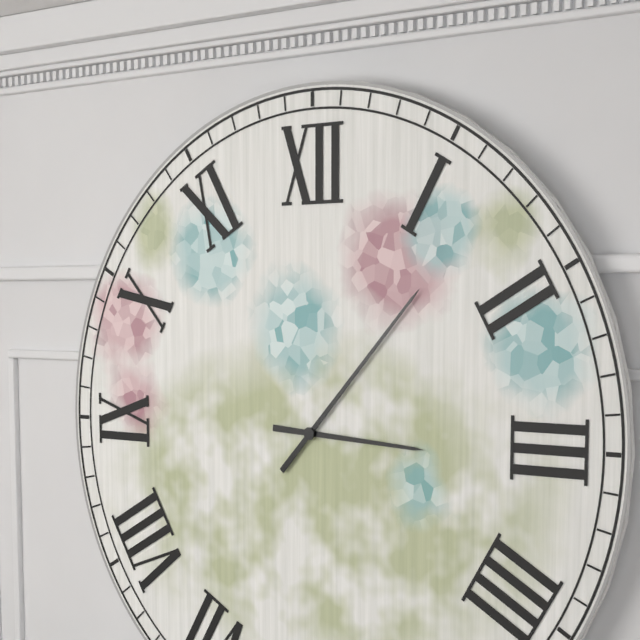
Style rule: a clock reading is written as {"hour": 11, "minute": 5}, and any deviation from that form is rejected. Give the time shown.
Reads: {"hour": 3, "minute": 7}
